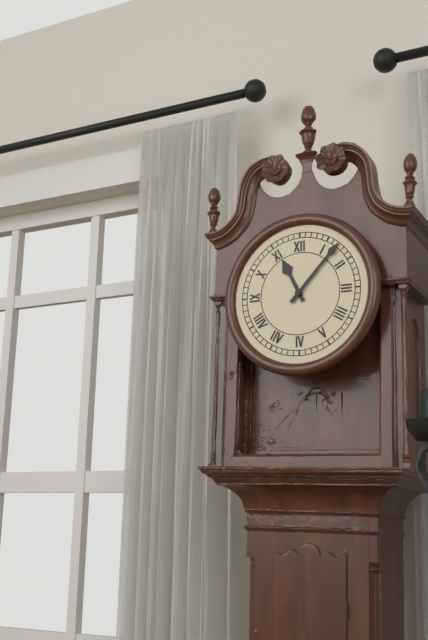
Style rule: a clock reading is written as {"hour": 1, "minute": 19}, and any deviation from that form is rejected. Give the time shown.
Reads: {"hour": 11, "minute": 7}
